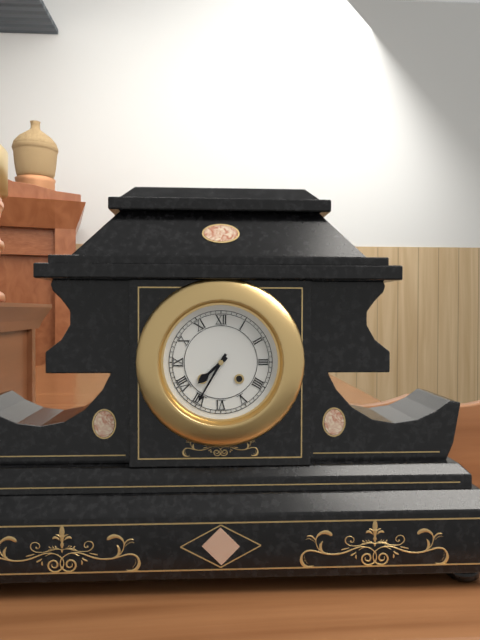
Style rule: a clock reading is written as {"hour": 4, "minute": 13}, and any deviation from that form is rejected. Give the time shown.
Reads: {"hour": 7, "minute": 35}
